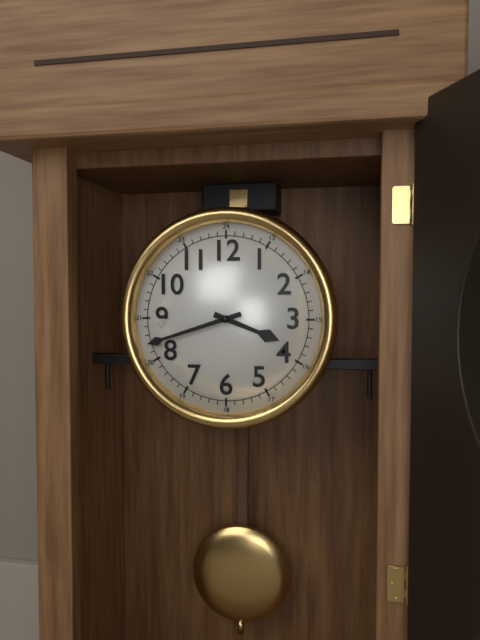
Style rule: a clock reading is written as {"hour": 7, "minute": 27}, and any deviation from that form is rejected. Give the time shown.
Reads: {"hour": 3, "minute": 42}
